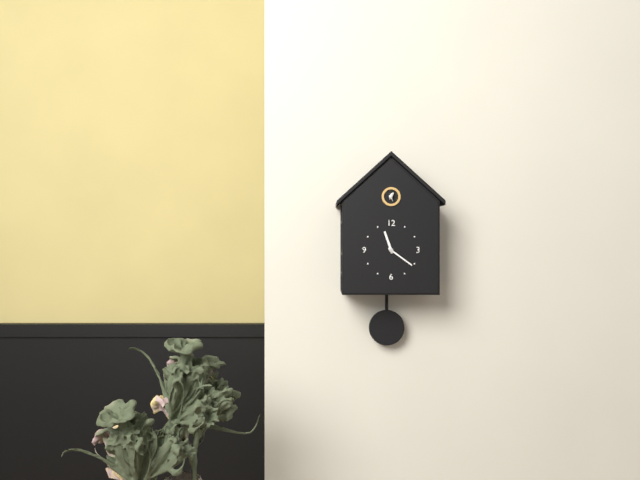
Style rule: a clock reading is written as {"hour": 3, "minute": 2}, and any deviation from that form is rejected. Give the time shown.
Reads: {"hour": 11, "minute": 21}
